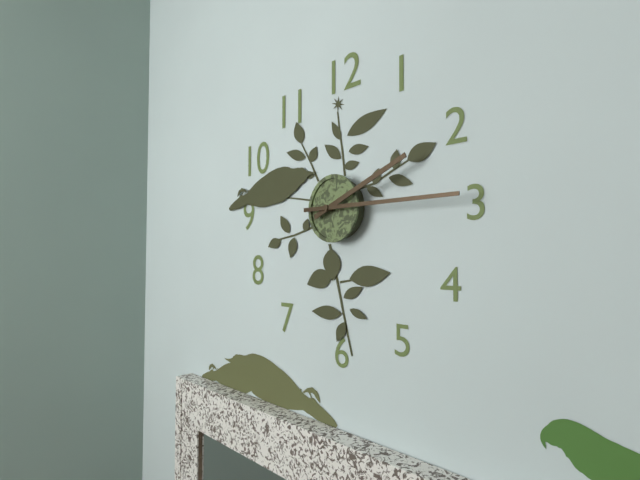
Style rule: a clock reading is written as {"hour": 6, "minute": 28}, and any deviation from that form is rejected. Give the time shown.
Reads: {"hour": 2, "minute": 15}
